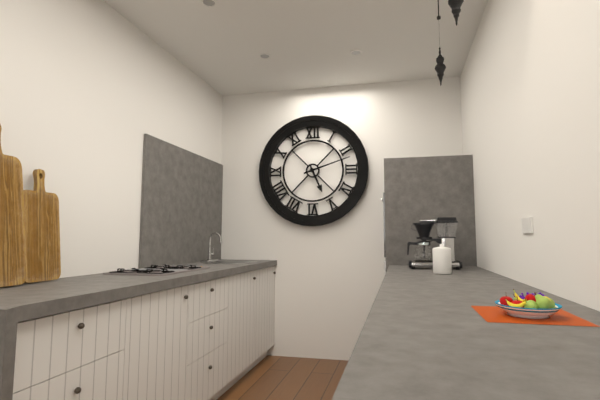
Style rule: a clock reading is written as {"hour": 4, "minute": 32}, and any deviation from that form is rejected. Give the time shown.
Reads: {"hour": 5, "minute": 12}
